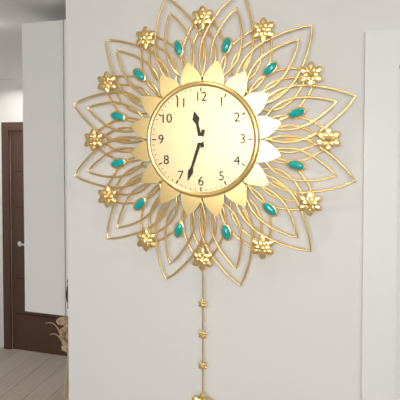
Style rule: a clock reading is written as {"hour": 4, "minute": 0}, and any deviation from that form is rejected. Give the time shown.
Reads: {"hour": 11, "minute": 33}
